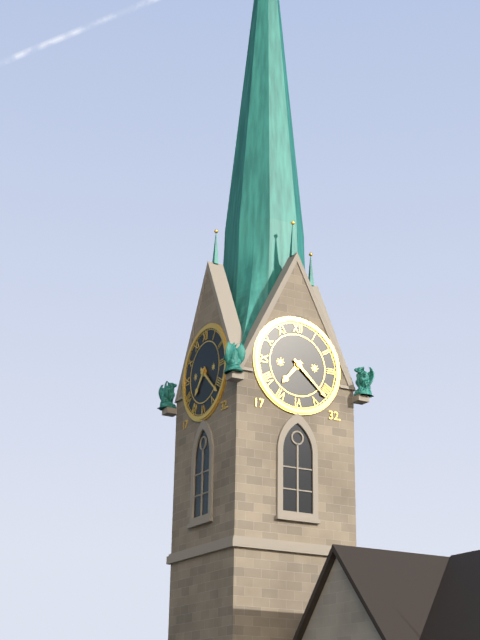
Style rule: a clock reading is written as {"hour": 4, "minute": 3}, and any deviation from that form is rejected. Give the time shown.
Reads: {"hour": 7, "minute": 22}
